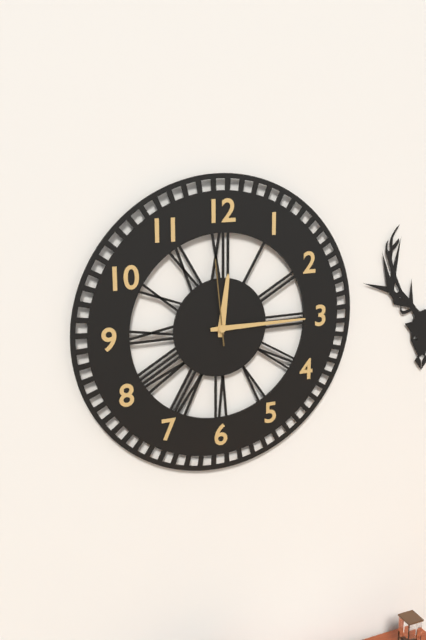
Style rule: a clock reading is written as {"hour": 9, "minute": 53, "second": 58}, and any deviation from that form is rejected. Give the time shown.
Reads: {"hour": 12, "minute": 15, "second": 59}
